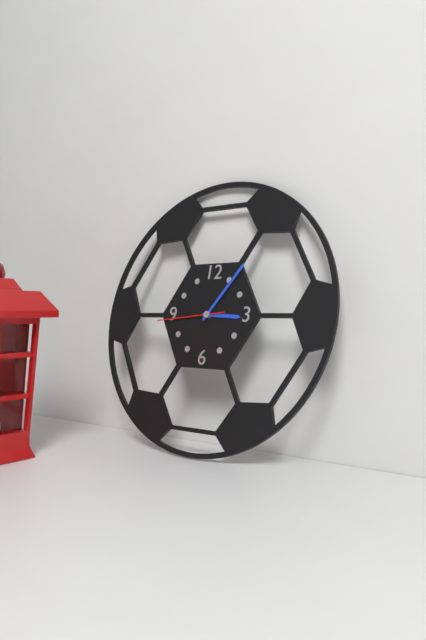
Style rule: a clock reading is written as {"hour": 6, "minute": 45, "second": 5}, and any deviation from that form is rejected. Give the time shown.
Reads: {"hour": 3, "minute": 6, "second": 44}
